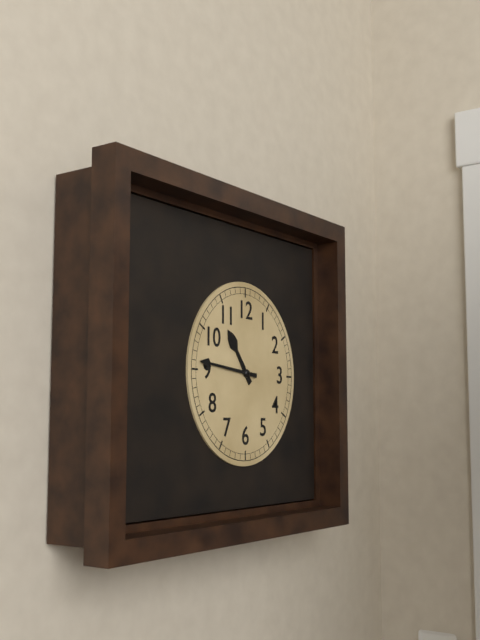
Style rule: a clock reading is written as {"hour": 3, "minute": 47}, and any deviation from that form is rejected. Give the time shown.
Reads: {"hour": 10, "minute": 46}
